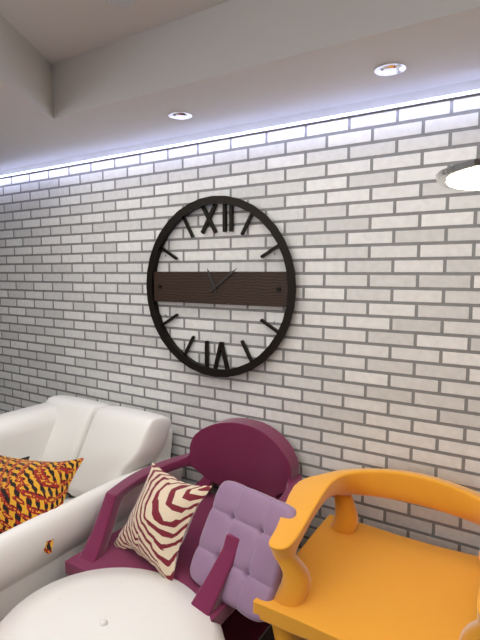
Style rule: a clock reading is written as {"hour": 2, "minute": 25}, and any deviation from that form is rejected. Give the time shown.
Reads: {"hour": 11, "minute": 9}
